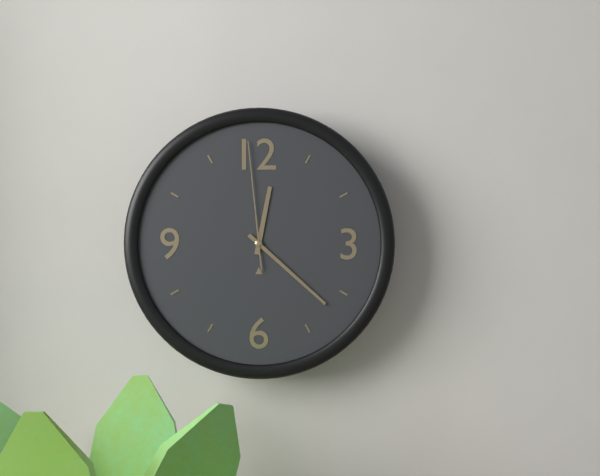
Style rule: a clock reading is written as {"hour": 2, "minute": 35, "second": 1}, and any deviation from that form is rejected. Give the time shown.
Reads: {"hour": 12, "minute": 22, "second": 59}
